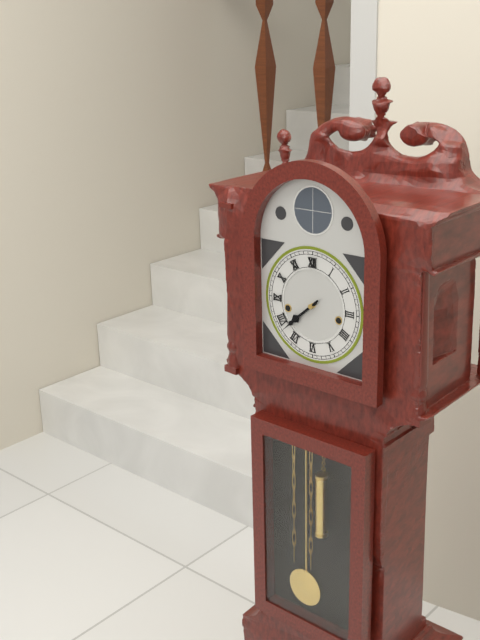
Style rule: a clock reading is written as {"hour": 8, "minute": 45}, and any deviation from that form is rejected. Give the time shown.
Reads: {"hour": 7, "minute": 38}
